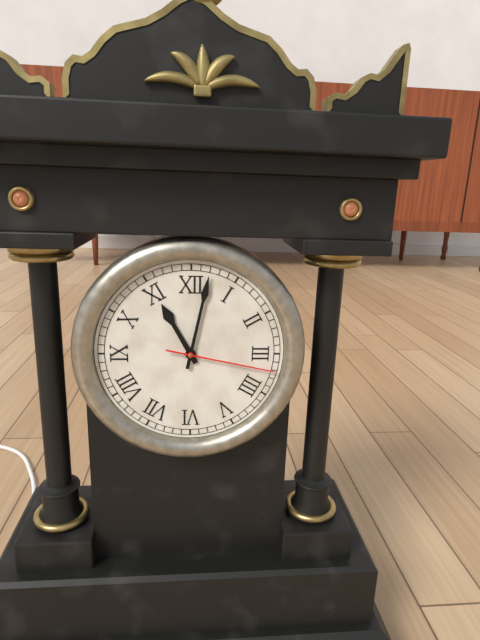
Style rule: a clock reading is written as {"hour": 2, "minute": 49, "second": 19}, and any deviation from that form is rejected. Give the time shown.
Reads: {"hour": 11, "minute": 2, "second": 17}
